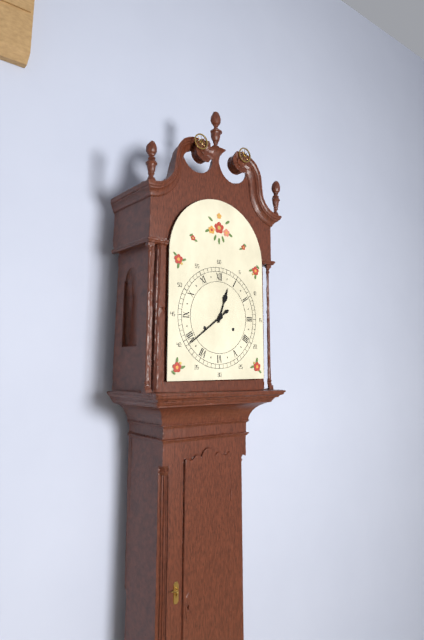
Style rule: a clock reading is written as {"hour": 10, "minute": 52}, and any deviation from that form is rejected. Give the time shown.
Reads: {"hour": 12, "minute": 39}
